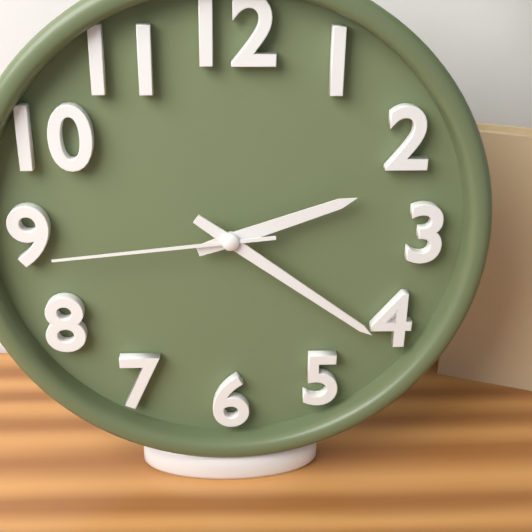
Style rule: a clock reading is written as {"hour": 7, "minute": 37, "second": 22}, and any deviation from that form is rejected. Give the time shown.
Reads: {"hour": 2, "minute": 21, "second": 44}
